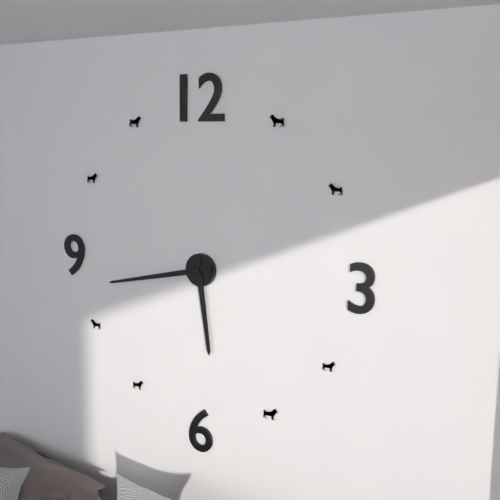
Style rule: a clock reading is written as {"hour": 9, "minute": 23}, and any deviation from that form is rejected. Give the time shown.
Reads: {"hour": 5, "minute": 43}
